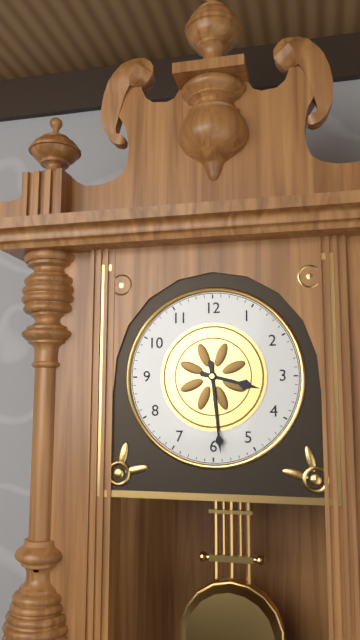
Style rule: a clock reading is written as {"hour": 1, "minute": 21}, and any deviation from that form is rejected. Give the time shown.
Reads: {"hour": 3, "minute": 29}
